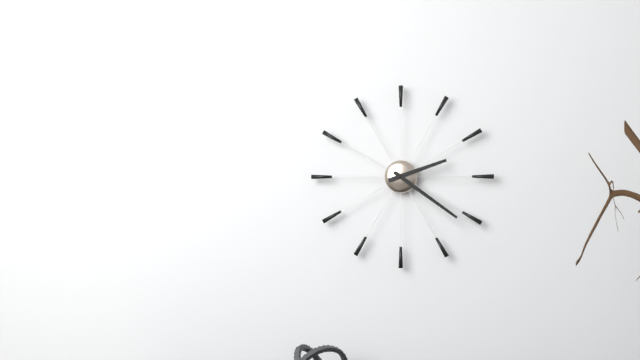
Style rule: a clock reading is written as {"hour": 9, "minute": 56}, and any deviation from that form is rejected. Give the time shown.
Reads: {"hour": 2, "minute": 21}
